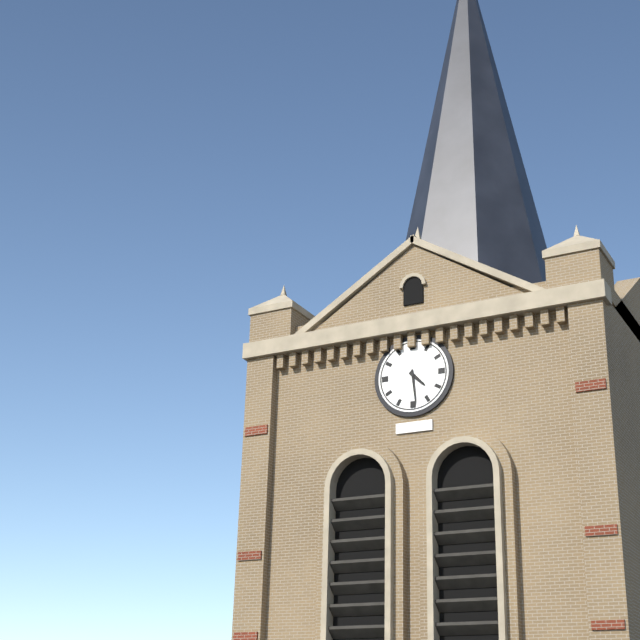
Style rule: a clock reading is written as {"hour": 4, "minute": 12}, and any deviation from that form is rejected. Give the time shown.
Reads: {"hour": 4, "minute": 29}
